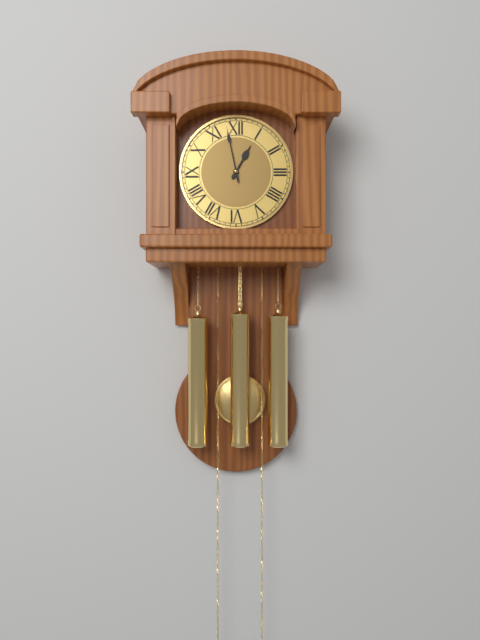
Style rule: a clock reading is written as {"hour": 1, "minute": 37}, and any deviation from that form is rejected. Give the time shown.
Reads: {"hour": 12, "minute": 58}
